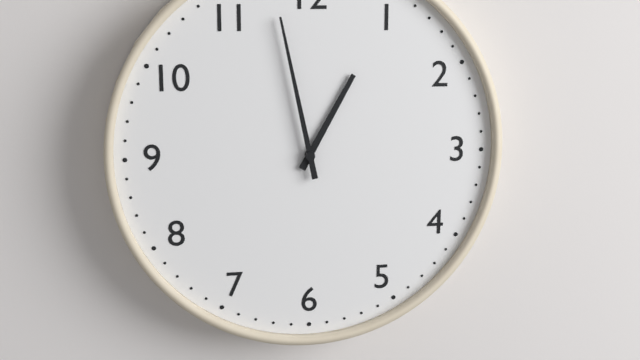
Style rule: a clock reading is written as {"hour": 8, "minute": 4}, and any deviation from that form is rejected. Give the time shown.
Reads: {"hour": 12, "minute": 58}
